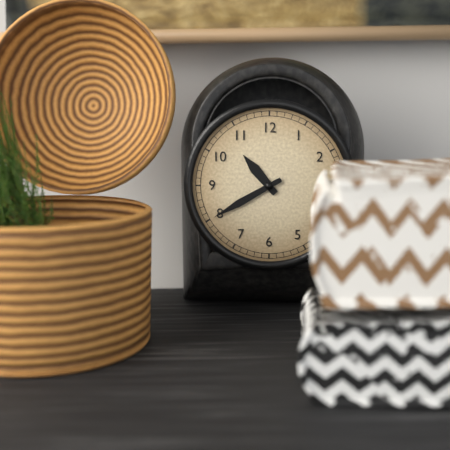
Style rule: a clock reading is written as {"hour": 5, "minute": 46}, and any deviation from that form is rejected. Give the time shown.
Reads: {"hour": 10, "minute": 40}
